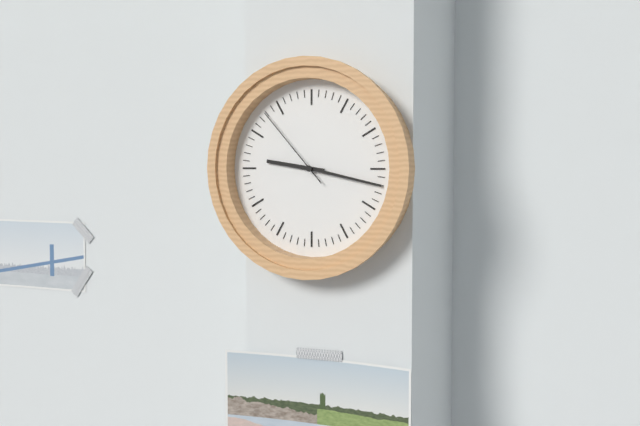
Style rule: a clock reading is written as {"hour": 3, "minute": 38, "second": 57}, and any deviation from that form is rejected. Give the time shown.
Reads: {"hour": 9, "minute": 17, "second": 53}
